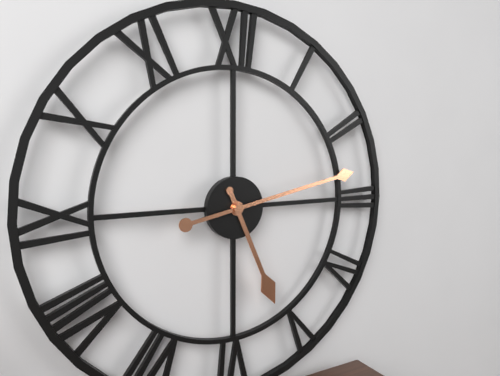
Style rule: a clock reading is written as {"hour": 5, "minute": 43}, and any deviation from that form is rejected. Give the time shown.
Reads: {"hour": 5, "minute": 13}
